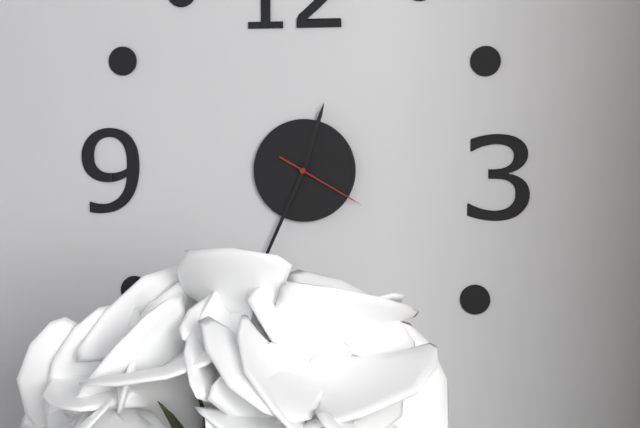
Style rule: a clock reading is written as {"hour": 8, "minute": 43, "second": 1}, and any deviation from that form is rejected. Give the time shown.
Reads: {"hour": 12, "minute": 34, "second": 20}
